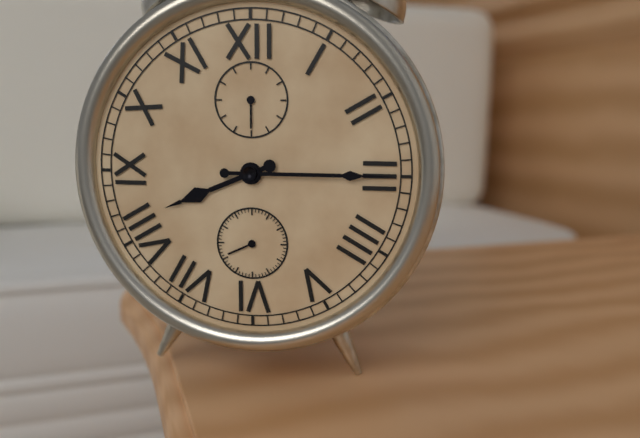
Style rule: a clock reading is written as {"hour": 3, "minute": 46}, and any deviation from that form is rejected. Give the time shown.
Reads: {"hour": 8, "minute": 15}
